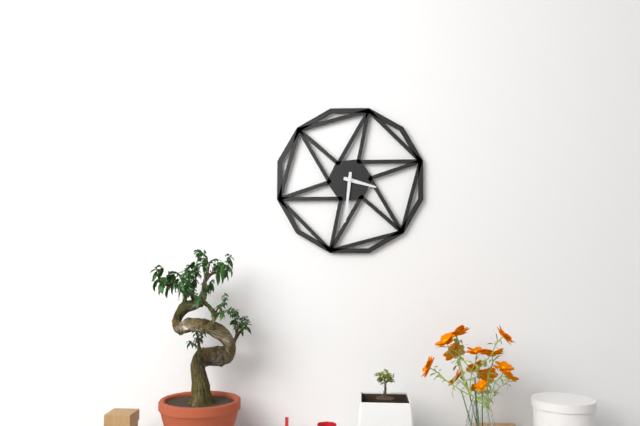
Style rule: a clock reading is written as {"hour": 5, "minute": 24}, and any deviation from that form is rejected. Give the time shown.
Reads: {"hour": 3, "minute": 31}
